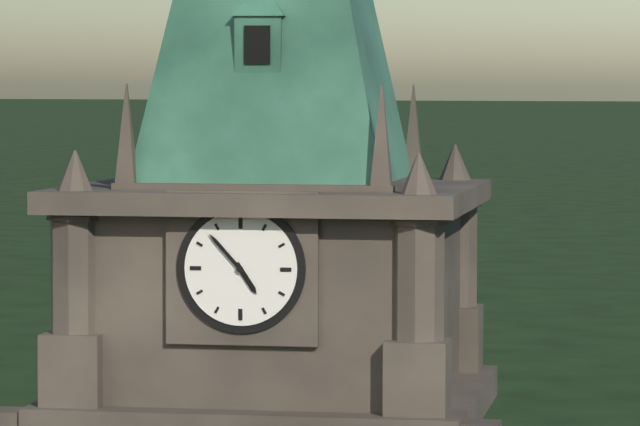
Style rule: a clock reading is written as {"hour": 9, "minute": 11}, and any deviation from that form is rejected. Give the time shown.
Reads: {"hour": 4, "minute": 53}
